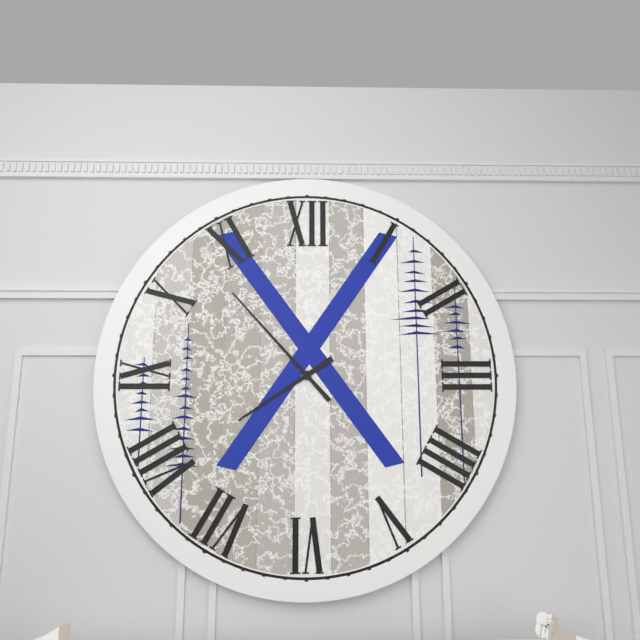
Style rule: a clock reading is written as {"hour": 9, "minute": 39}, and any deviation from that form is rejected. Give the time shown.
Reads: {"hour": 7, "minute": 53}
